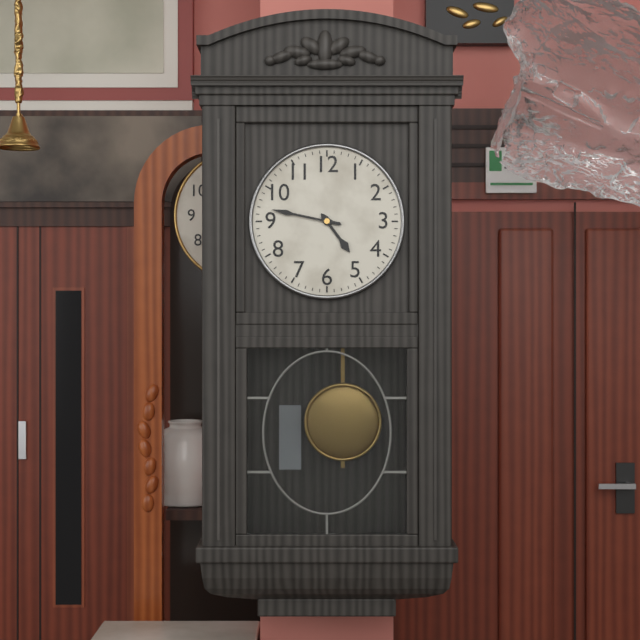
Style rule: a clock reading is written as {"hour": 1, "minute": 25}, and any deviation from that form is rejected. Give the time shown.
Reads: {"hour": 4, "minute": 47}
